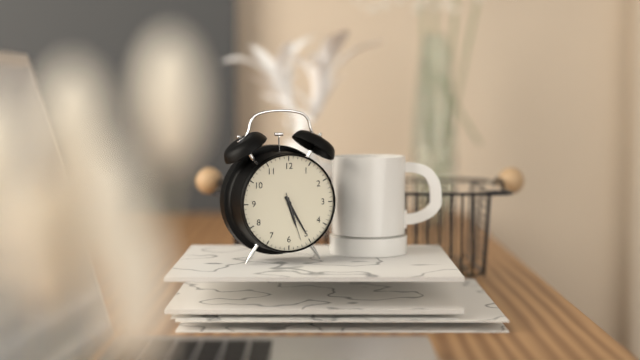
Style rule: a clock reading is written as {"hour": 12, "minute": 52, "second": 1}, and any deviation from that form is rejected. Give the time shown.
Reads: {"hour": 5, "minute": 25, "second": 27}
